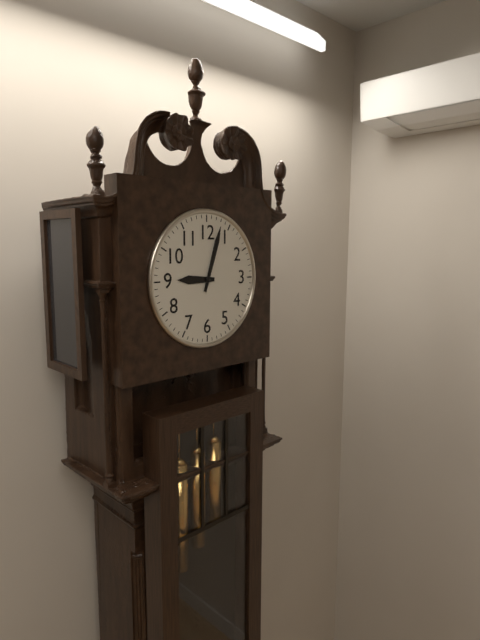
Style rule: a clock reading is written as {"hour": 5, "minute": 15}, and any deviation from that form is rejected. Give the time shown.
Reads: {"hour": 9, "minute": 3}
